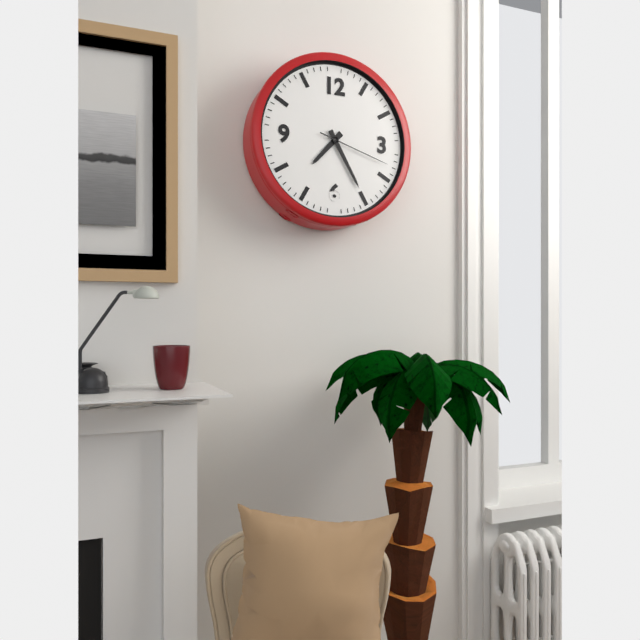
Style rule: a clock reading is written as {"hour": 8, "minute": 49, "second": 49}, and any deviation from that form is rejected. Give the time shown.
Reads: {"hour": 7, "minute": 25, "second": 18}
